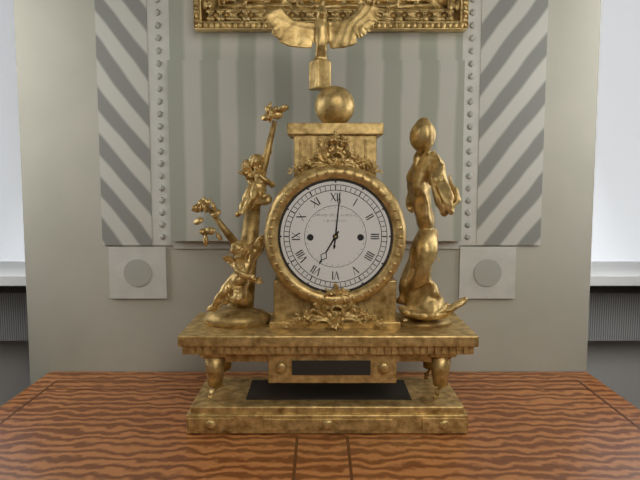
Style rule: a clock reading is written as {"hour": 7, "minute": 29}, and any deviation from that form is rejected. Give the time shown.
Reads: {"hour": 7, "minute": 1}
